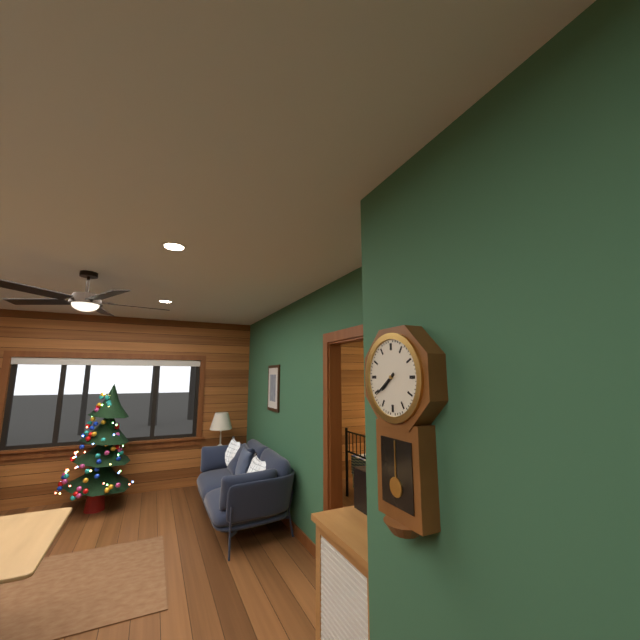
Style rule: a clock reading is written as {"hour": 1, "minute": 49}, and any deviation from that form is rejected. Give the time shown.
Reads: {"hour": 7, "minute": 39}
